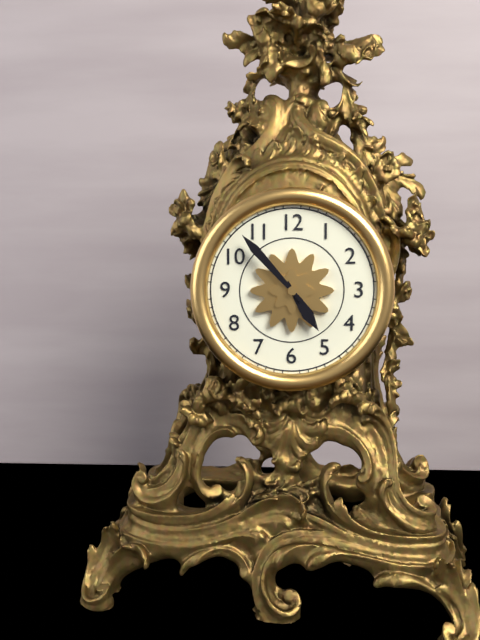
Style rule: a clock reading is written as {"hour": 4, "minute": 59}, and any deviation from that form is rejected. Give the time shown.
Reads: {"hour": 4, "minute": 53}
